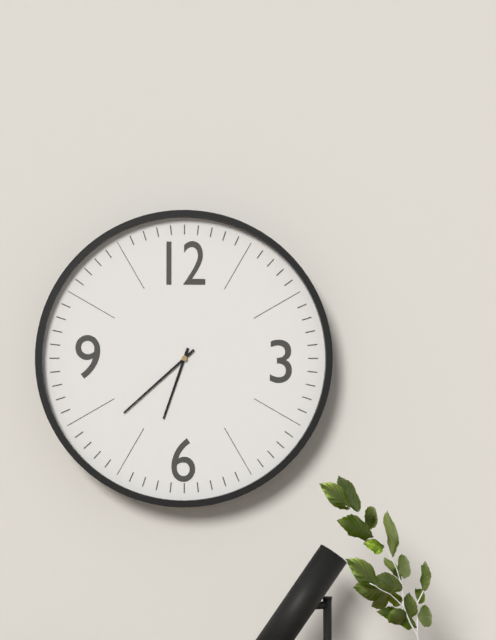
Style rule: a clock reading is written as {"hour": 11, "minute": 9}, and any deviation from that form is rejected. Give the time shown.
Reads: {"hour": 6, "minute": 38}
